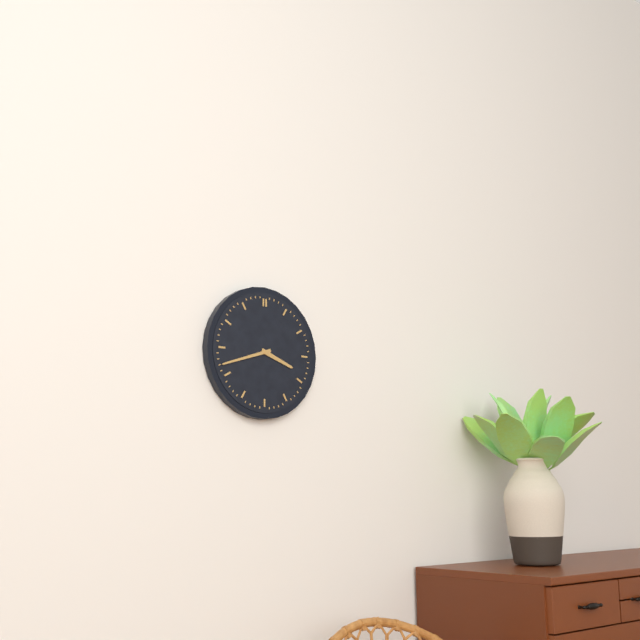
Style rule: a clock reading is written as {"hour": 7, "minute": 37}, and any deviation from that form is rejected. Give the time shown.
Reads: {"hour": 3, "minute": 42}
